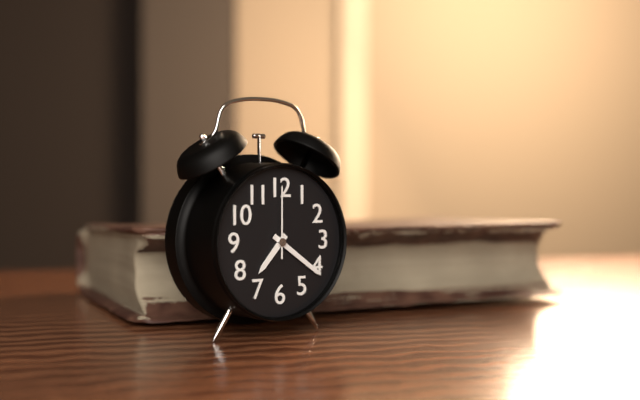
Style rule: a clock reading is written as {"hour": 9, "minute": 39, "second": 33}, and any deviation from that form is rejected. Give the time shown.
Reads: {"hour": 7, "minute": 21, "second": 0}
